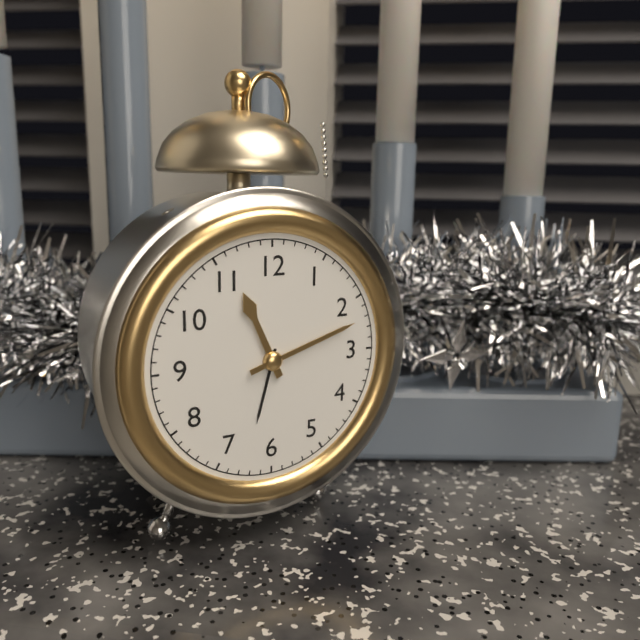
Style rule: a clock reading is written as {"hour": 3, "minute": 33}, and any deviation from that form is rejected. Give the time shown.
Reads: {"hour": 11, "minute": 12}
